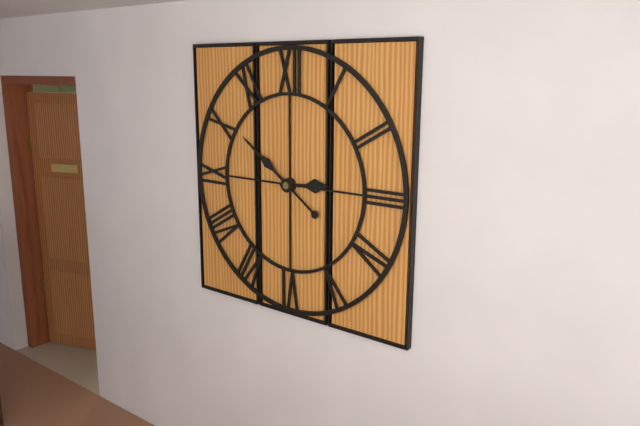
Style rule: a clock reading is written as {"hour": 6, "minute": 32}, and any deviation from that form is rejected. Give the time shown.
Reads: {"hour": 2, "minute": 51}
